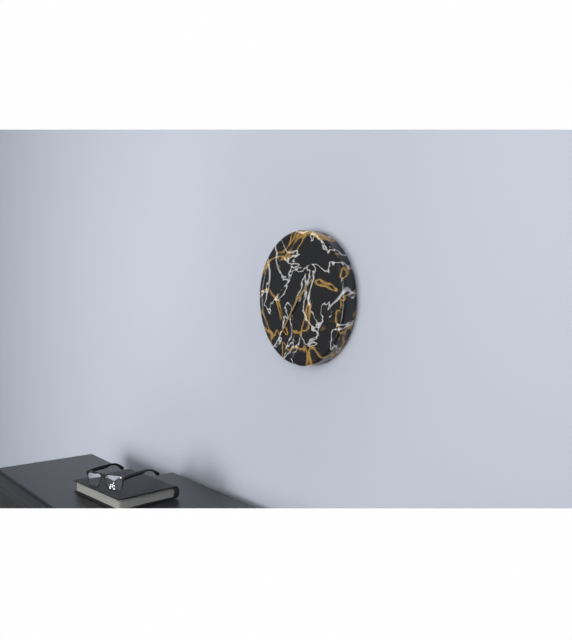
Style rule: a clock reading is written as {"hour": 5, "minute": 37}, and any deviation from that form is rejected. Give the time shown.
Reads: {"hour": 1, "minute": 36}
